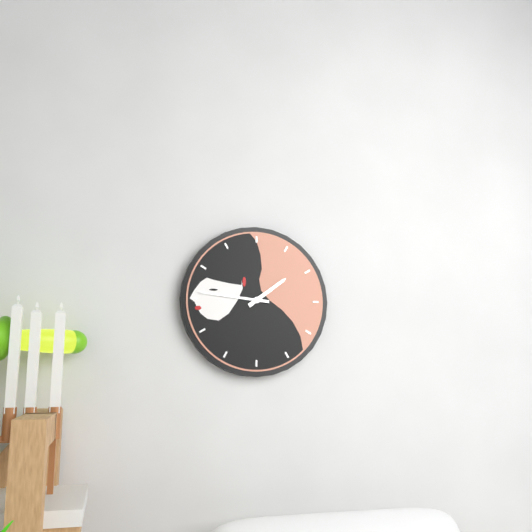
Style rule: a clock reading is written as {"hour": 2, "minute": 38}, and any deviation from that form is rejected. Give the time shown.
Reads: {"hour": 1, "minute": 46}
